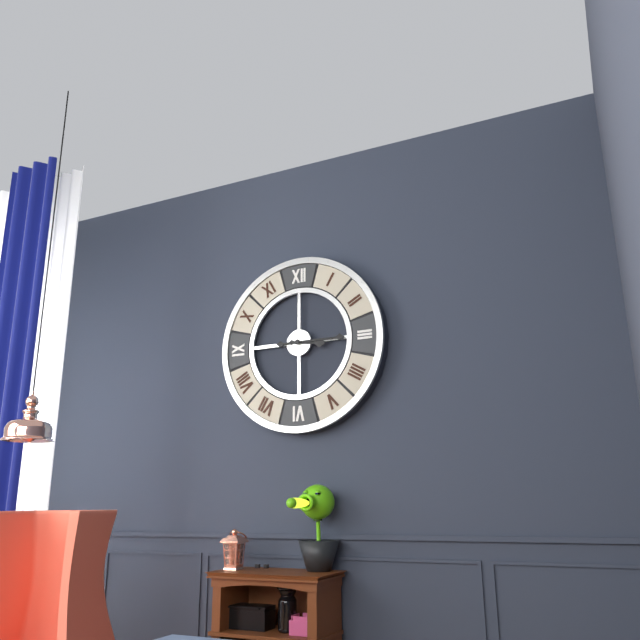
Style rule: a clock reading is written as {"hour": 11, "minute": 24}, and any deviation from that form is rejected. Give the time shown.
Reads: {"hour": 3, "minute": 15}
